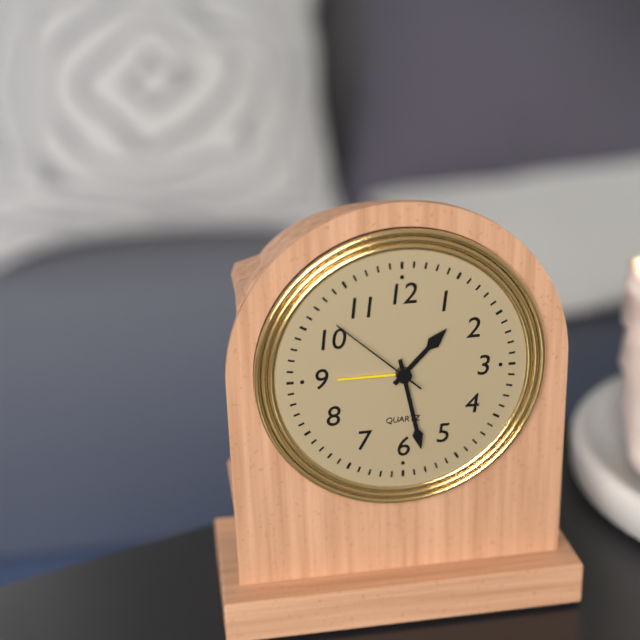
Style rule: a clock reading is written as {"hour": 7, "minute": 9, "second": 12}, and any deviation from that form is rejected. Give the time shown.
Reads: {"hour": 1, "minute": 28, "second": 52}
